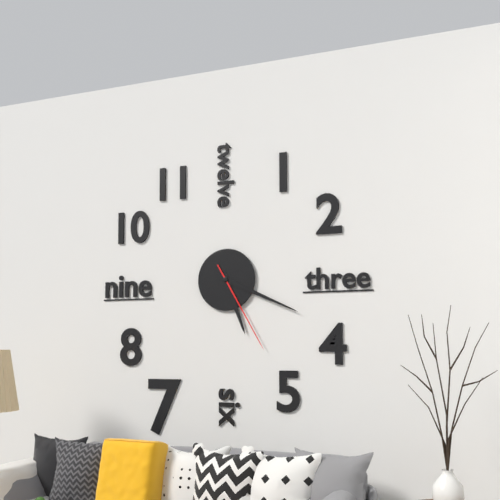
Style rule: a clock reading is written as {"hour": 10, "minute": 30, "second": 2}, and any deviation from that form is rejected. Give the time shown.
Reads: {"hour": 5, "minute": 19, "second": 25}
